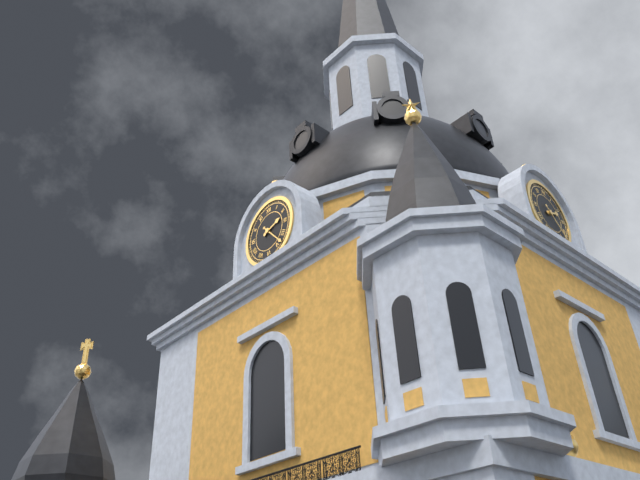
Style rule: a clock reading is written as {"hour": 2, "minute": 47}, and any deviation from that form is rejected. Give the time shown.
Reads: {"hour": 2, "minute": 23}
